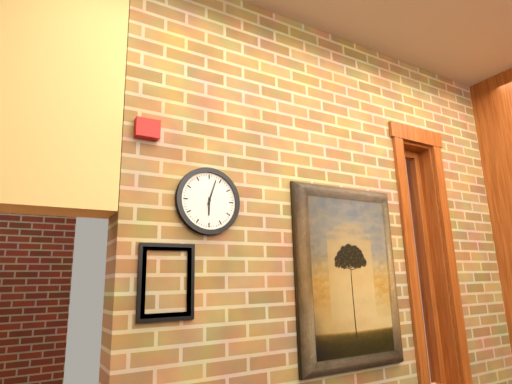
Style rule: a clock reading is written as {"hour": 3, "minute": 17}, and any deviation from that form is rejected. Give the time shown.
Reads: {"hour": 6, "minute": 3}
